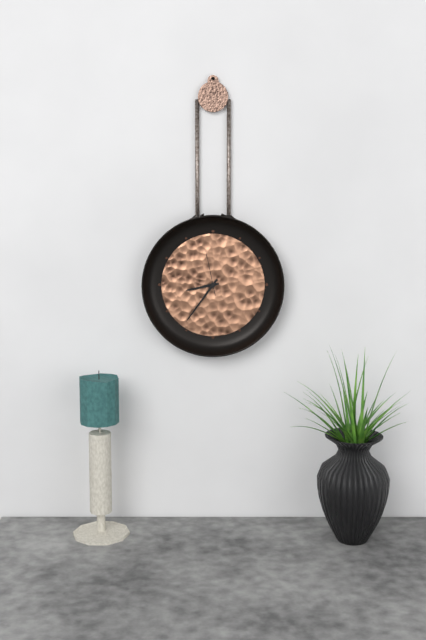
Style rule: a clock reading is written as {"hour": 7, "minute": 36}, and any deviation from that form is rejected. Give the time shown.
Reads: {"hour": 8, "minute": 36}
